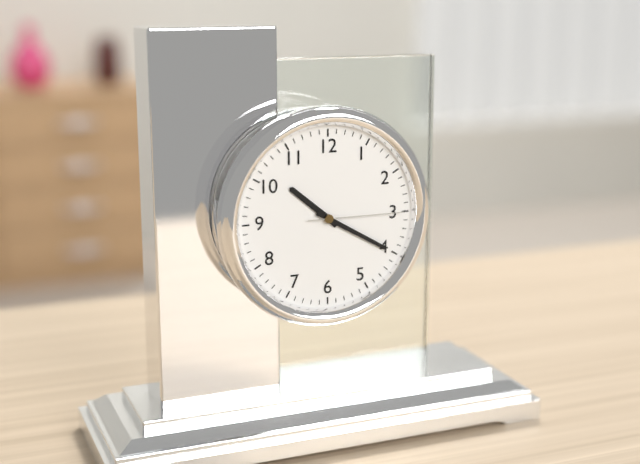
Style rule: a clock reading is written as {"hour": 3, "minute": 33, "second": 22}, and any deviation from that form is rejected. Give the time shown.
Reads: {"hour": 10, "minute": 20, "second": 15}
